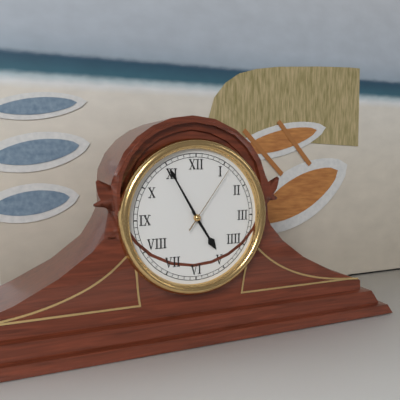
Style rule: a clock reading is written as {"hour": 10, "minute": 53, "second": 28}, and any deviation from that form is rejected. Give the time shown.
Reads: {"hour": 4, "minute": 55, "second": 6}
